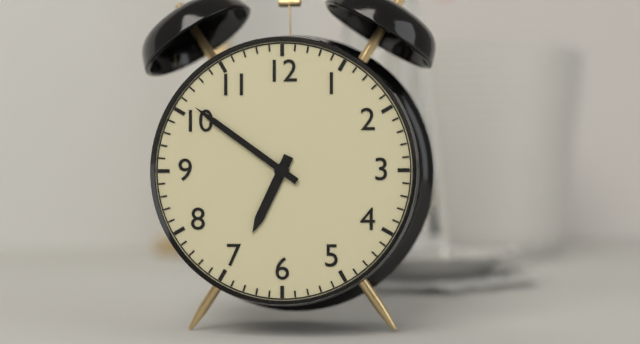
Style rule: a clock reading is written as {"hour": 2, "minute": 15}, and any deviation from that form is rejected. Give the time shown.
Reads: {"hour": 6, "minute": 51}
